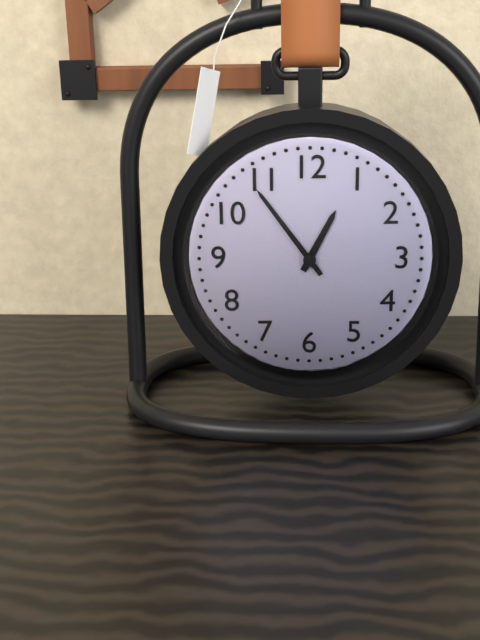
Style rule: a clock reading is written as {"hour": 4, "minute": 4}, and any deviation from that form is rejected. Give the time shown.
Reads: {"hour": 12, "minute": 54}
